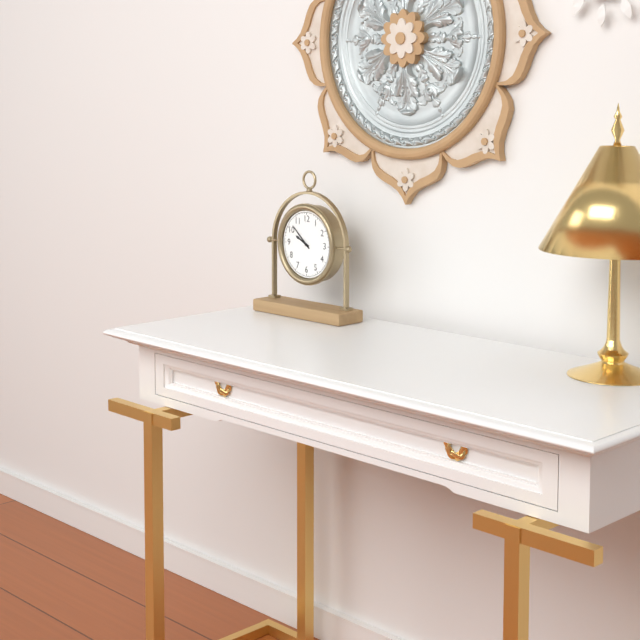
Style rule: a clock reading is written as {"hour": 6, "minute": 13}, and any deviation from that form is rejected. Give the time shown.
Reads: {"hour": 9, "minute": 52}
